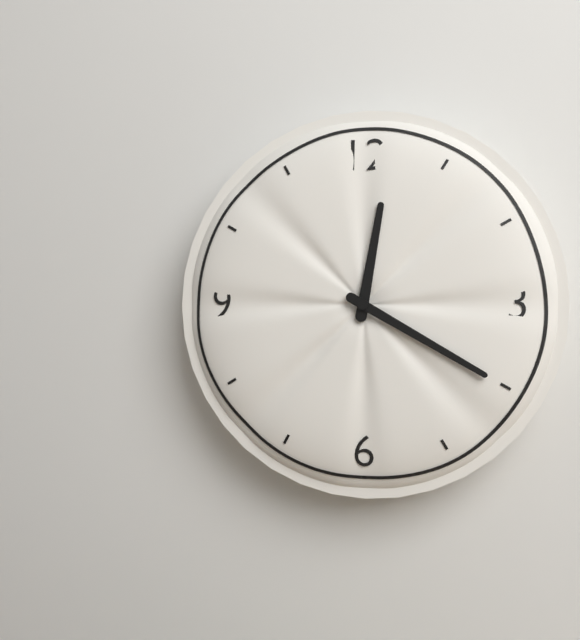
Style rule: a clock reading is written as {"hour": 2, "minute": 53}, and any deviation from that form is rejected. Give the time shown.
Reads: {"hour": 12, "minute": 20}
